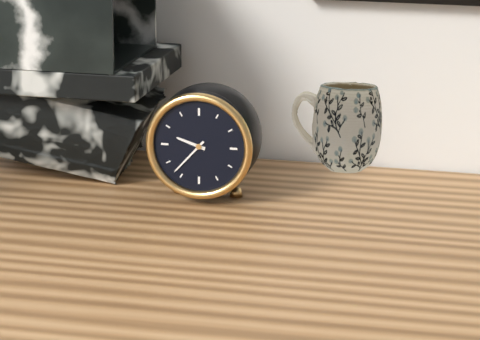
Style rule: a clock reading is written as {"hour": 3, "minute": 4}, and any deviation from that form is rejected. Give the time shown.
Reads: {"hour": 9, "minute": 37}
